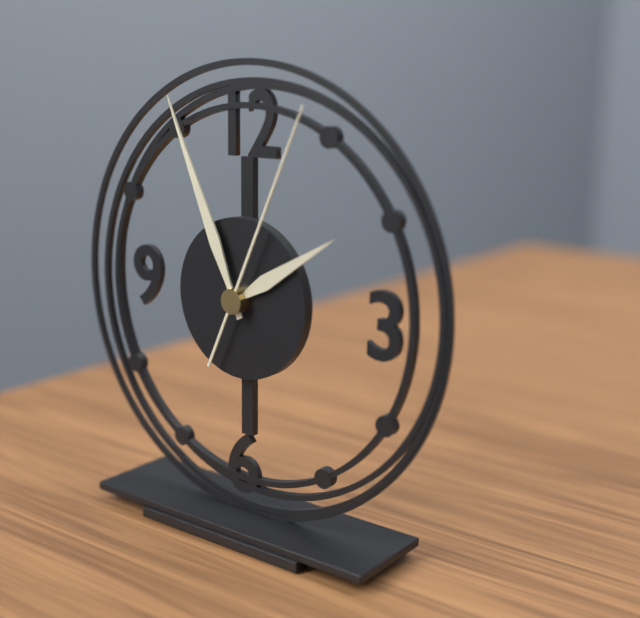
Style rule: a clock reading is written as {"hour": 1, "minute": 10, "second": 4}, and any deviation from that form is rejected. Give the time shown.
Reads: {"hour": 1, "minute": 56, "second": 4}
